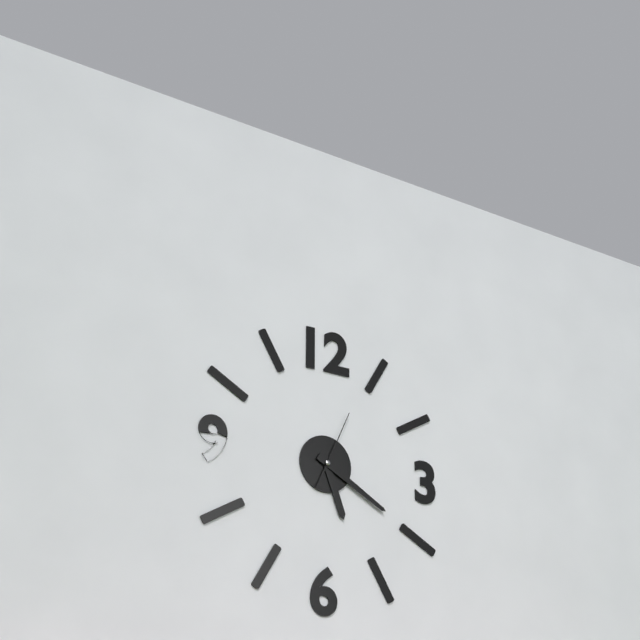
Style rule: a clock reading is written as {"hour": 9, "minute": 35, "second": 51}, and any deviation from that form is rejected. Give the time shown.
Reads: {"hour": 5, "minute": 20, "second": 4}
